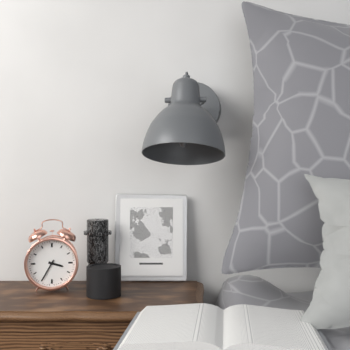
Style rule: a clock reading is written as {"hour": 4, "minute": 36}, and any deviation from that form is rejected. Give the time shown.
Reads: {"hour": 3, "minute": 35}
